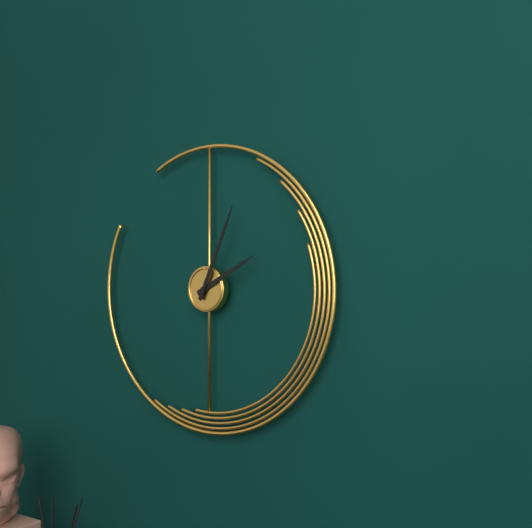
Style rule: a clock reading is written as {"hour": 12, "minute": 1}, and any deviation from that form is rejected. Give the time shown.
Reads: {"hour": 2, "minute": 4}
